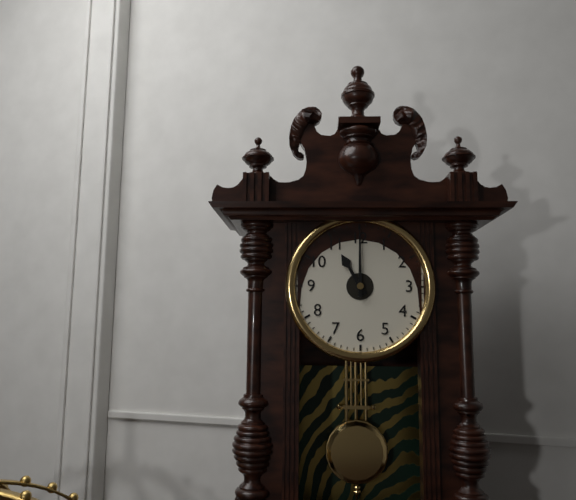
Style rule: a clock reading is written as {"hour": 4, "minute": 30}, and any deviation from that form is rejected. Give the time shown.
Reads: {"hour": 11, "minute": 0}
